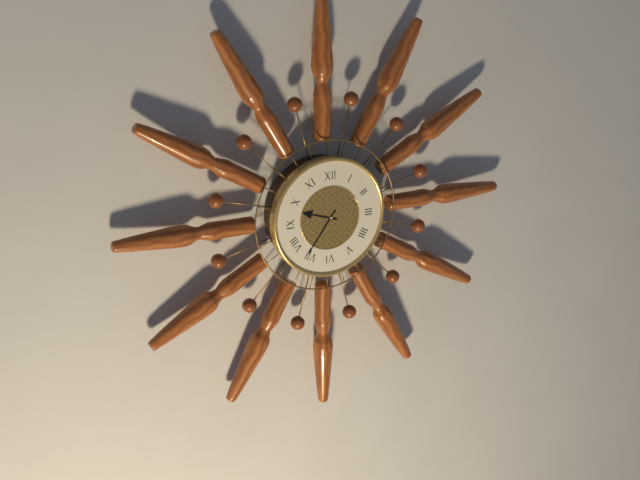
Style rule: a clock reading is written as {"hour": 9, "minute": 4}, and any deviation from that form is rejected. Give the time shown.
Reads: {"hour": 9, "minute": 36}
